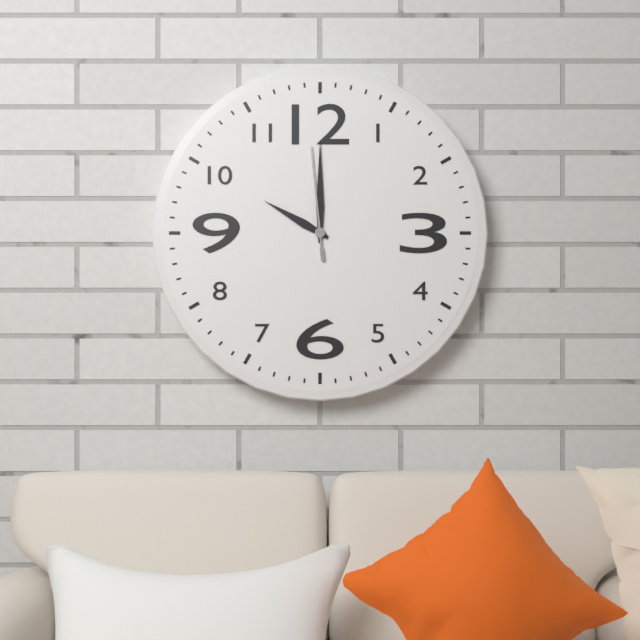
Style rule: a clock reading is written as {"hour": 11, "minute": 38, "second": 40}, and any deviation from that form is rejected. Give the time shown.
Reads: {"hour": 10, "minute": 0, "second": 59}
